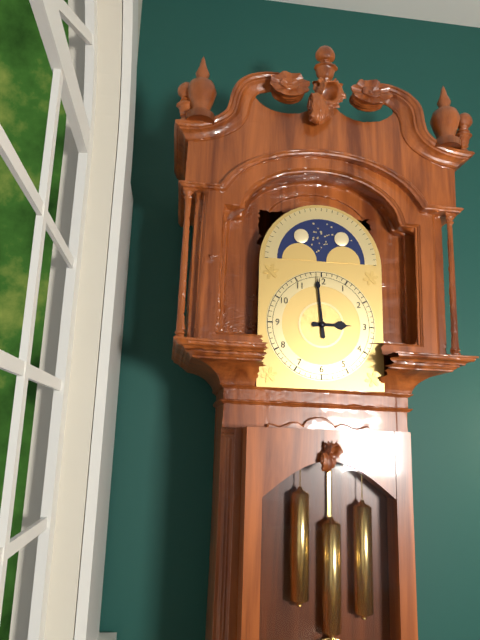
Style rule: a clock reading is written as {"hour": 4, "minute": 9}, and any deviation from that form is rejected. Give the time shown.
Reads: {"hour": 2, "minute": 59}
